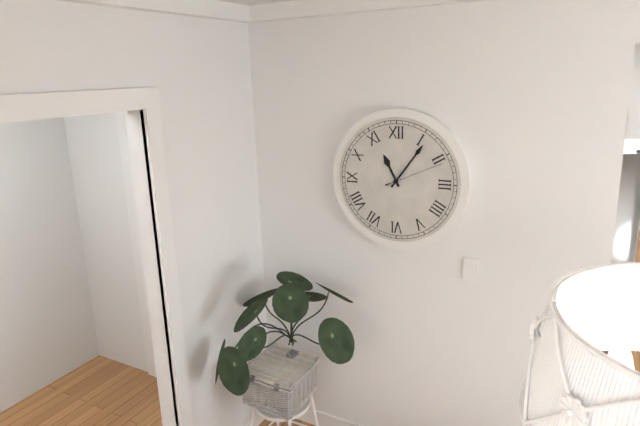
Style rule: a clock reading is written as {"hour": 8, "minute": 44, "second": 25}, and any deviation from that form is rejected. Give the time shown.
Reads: {"hour": 11, "minute": 6, "second": 11}
